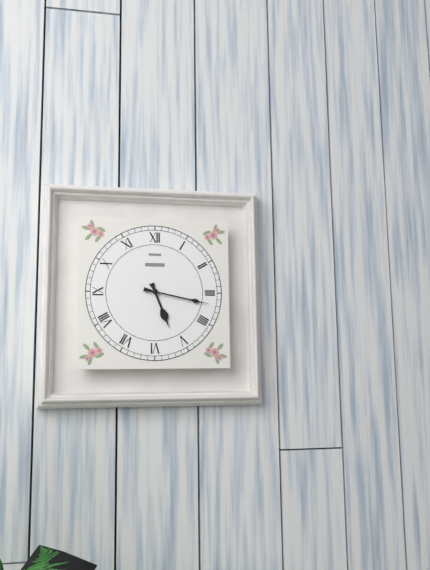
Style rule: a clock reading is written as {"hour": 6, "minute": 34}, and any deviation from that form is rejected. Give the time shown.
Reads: {"hour": 5, "minute": 17}
